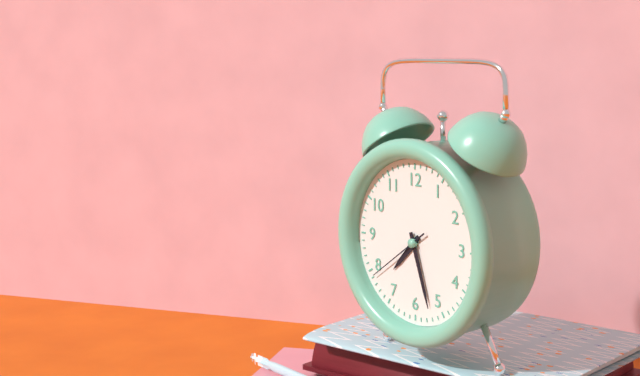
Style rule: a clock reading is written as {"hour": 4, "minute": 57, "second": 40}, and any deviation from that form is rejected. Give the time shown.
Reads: {"hour": 7, "minute": 27, "second": 39}
